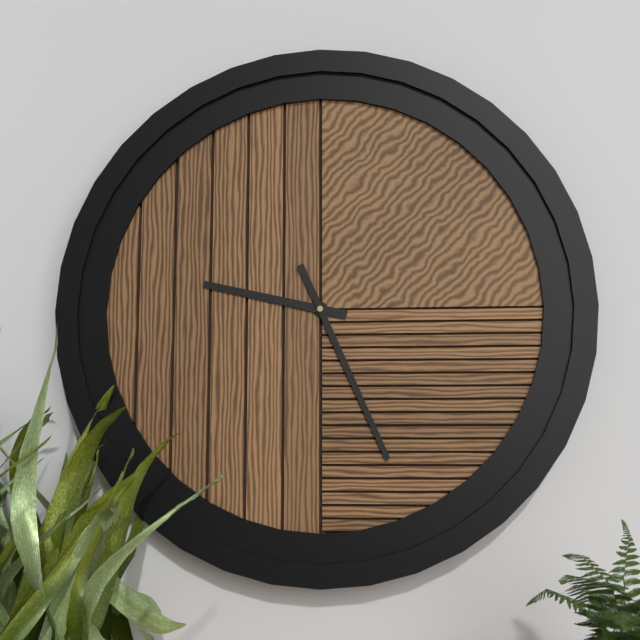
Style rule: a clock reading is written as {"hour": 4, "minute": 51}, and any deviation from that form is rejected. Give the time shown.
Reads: {"hour": 9, "minute": 26}
